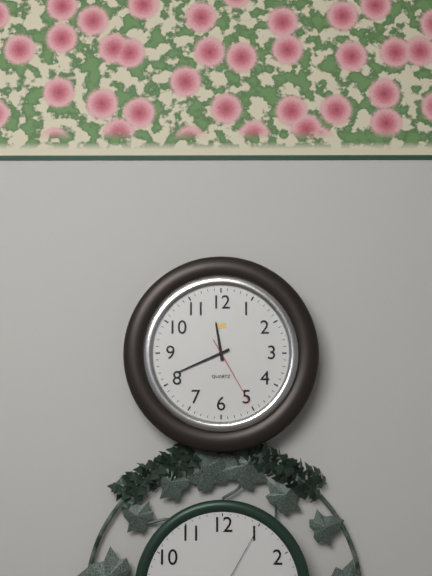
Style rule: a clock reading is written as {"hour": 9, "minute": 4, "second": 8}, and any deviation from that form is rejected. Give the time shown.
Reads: {"hour": 11, "minute": 41, "second": 25}
